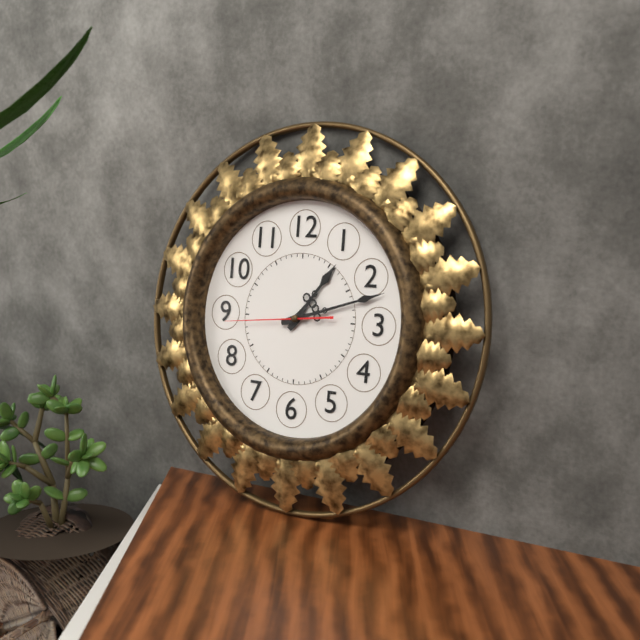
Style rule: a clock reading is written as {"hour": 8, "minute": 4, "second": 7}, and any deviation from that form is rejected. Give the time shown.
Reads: {"hour": 1, "minute": 12, "second": 44}
